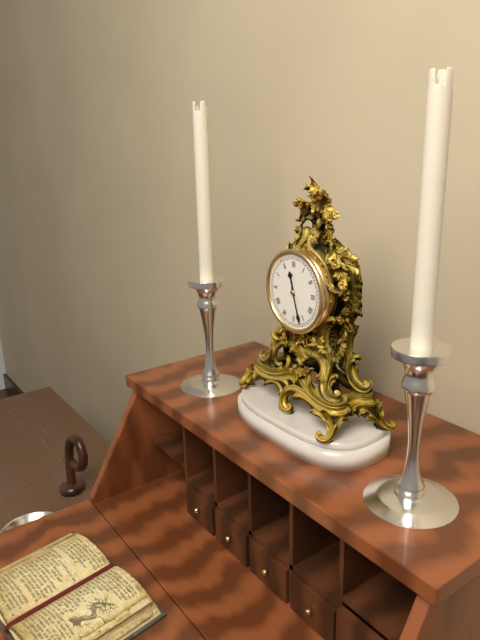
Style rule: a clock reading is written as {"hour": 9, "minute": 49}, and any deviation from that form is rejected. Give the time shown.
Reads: {"hour": 11, "minute": 27}
